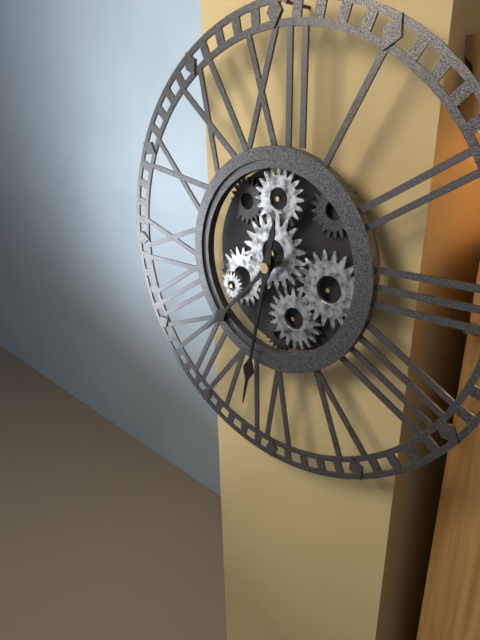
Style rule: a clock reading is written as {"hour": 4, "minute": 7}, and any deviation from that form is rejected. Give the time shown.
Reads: {"hour": 7, "minute": 32}
